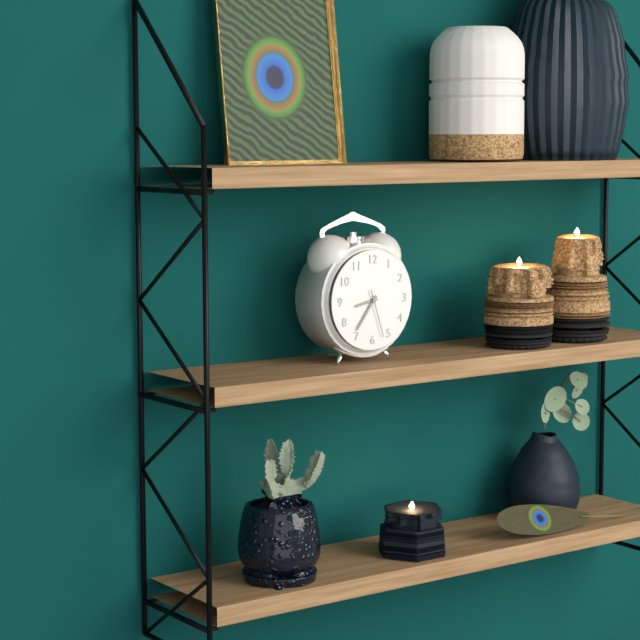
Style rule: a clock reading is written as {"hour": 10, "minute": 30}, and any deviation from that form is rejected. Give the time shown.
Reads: {"hour": 8, "minute": 36}
